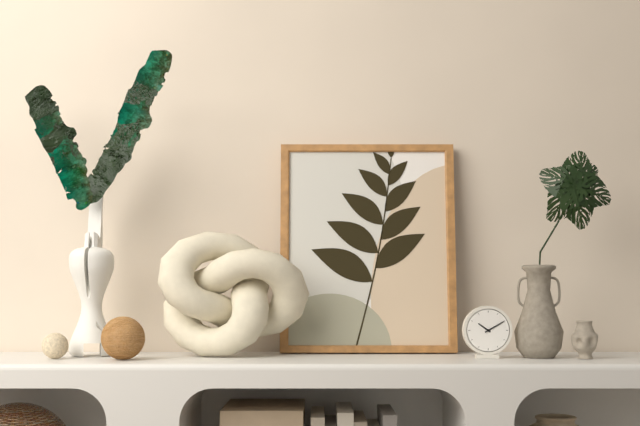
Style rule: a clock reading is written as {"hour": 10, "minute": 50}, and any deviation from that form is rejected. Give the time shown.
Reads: {"hour": 10, "minute": 10}
